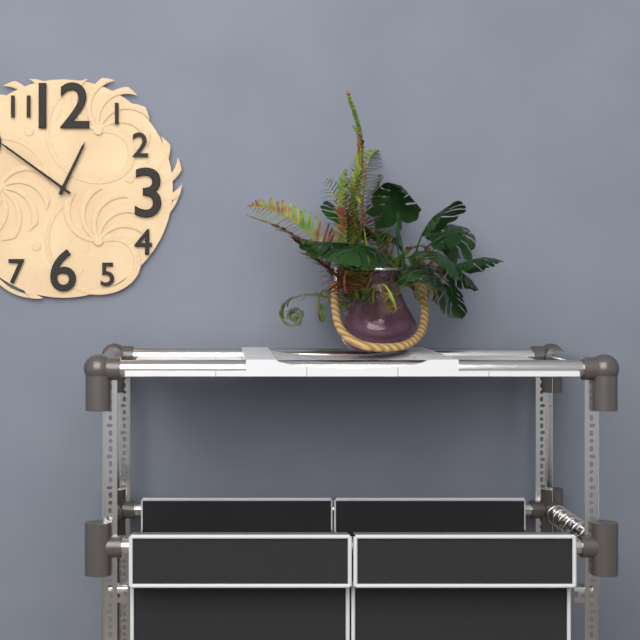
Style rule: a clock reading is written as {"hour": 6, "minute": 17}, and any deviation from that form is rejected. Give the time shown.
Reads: {"hour": 12, "minute": 51}
